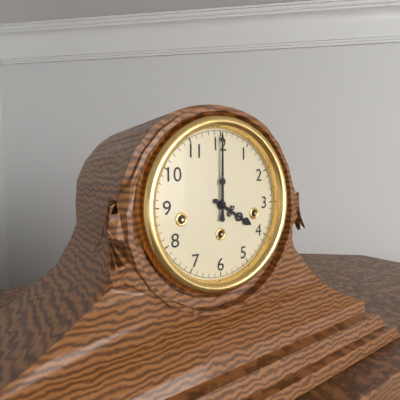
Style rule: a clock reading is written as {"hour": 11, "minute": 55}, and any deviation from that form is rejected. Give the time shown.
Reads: {"hour": 4, "minute": 0}
